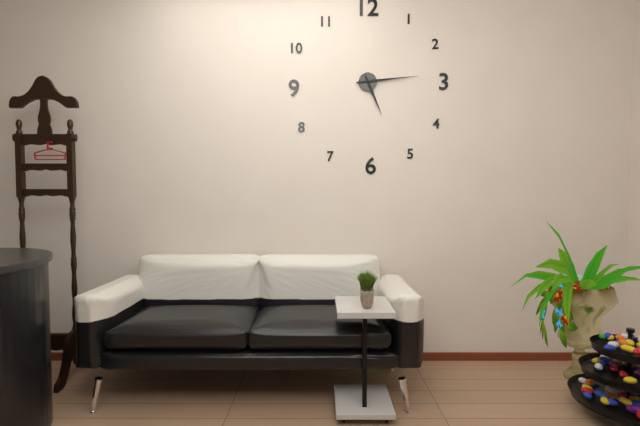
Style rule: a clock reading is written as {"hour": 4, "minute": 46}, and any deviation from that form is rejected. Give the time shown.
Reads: {"hour": 5, "minute": 14}
